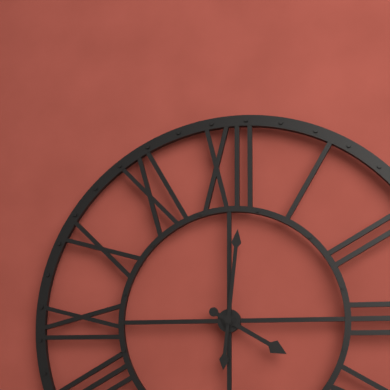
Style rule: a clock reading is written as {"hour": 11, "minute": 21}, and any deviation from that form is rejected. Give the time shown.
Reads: {"hour": 4, "minute": 1}
